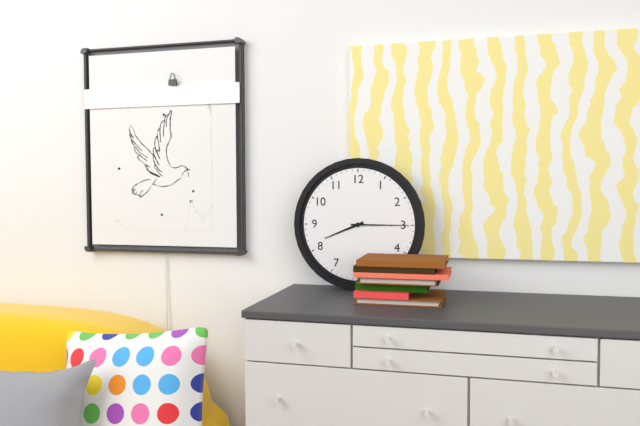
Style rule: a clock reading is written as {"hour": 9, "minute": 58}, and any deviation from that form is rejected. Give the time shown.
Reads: {"hour": 8, "minute": 15}
